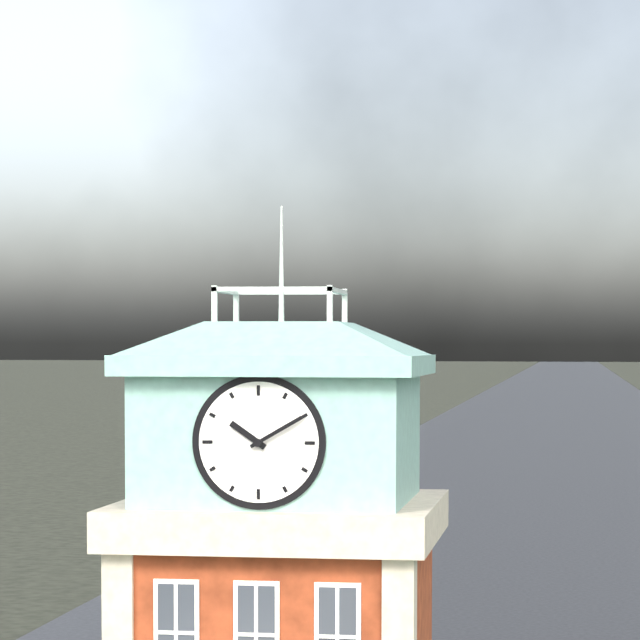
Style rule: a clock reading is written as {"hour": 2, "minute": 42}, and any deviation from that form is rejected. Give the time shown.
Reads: {"hour": 10, "minute": 10}
